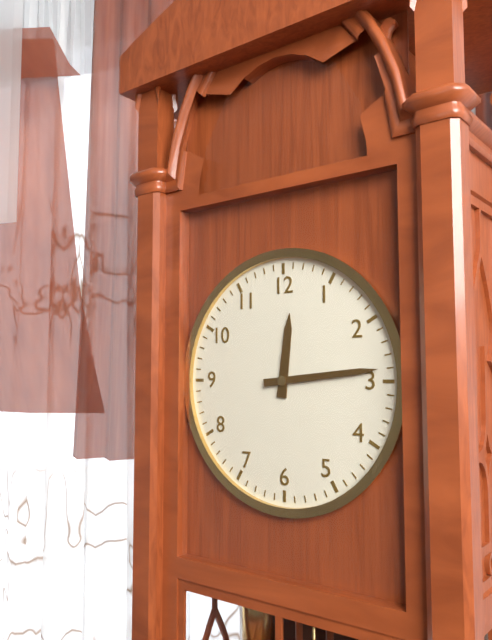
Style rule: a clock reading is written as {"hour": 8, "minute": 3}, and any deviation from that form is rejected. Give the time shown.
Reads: {"hour": 12, "minute": 14}
